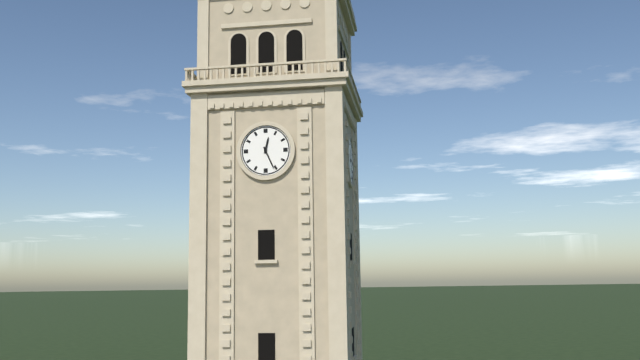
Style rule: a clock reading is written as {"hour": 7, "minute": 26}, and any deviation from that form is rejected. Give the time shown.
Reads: {"hour": 12, "minute": 26}
